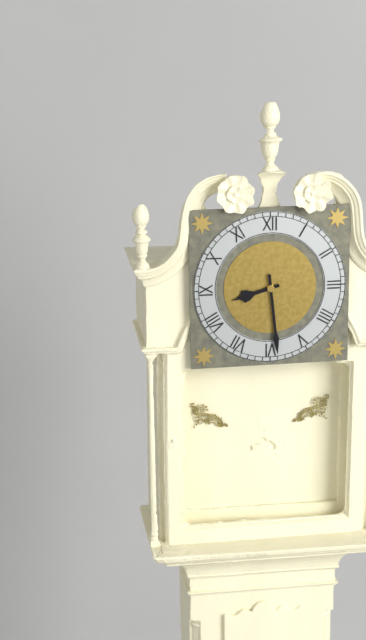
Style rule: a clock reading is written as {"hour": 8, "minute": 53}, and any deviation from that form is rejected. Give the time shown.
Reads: {"hour": 8, "minute": 29}
